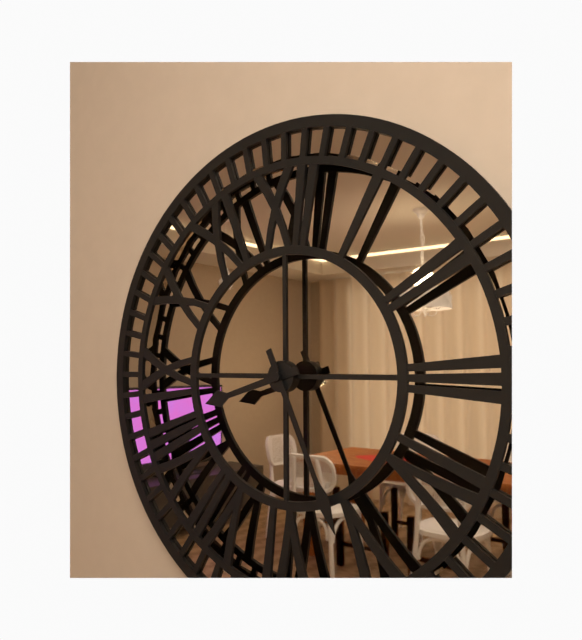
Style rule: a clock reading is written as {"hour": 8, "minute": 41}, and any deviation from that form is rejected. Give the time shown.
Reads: {"hour": 8, "minute": 26}
